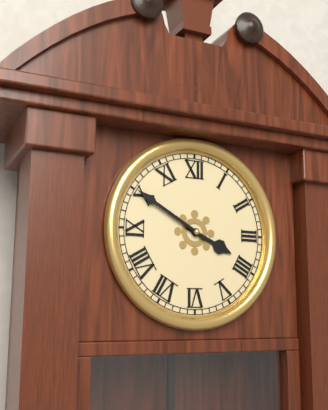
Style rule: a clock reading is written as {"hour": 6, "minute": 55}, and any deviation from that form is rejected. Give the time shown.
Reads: {"hour": 3, "minute": 50}
